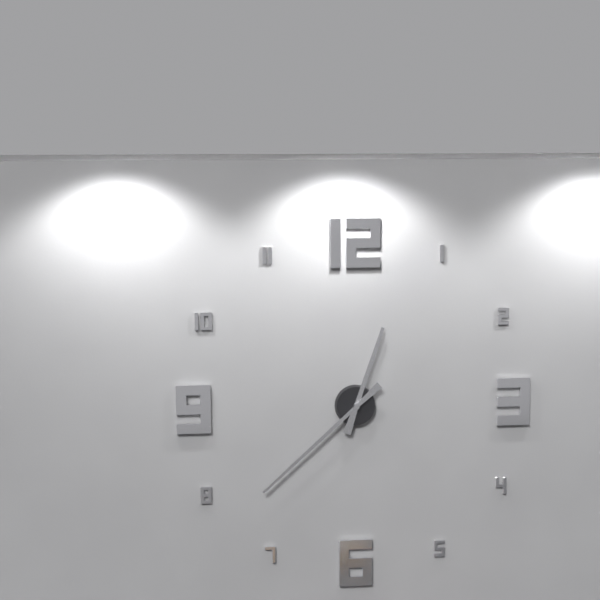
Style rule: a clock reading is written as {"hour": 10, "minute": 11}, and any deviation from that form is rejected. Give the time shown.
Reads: {"hour": 12, "minute": 38}
